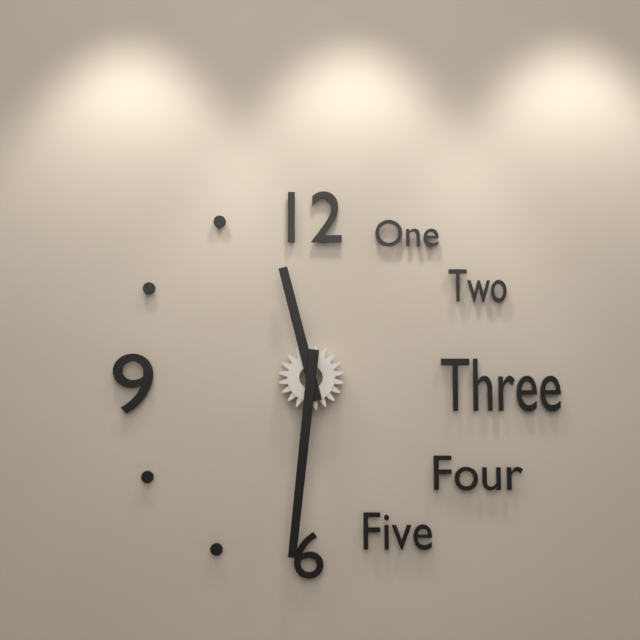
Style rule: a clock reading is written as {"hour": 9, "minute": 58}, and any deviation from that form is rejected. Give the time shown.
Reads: {"hour": 11, "minute": 31}
